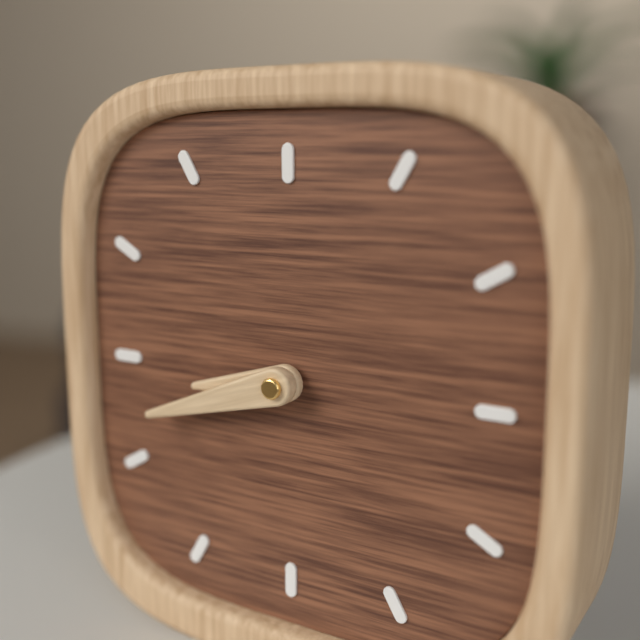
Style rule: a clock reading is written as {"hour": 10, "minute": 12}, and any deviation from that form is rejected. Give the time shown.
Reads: {"hour": 8, "minute": 42}
